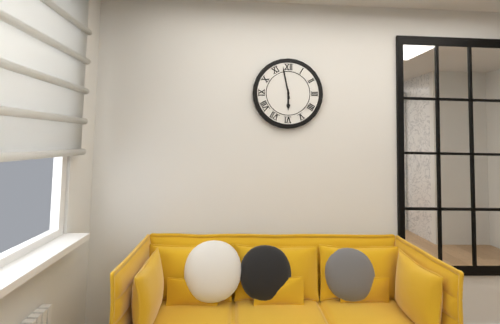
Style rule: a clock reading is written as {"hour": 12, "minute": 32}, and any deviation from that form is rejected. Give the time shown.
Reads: {"hour": 5, "minute": 58}
